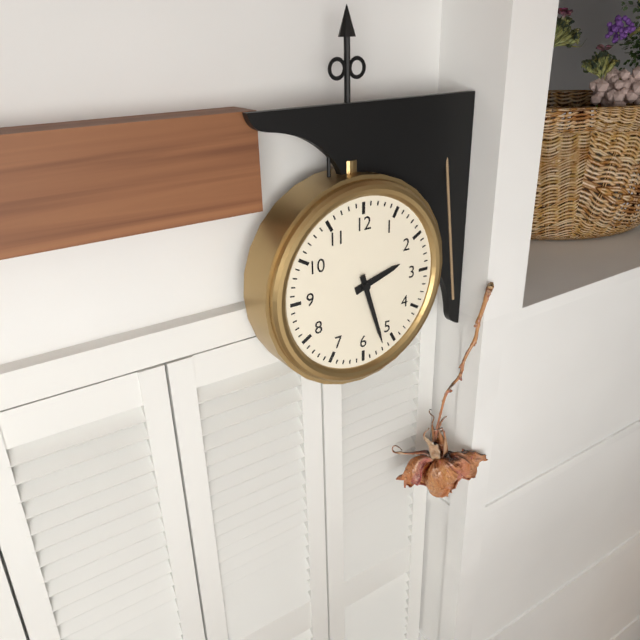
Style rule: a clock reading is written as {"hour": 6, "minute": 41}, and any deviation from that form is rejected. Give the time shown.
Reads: {"hour": 2, "minute": 27}
